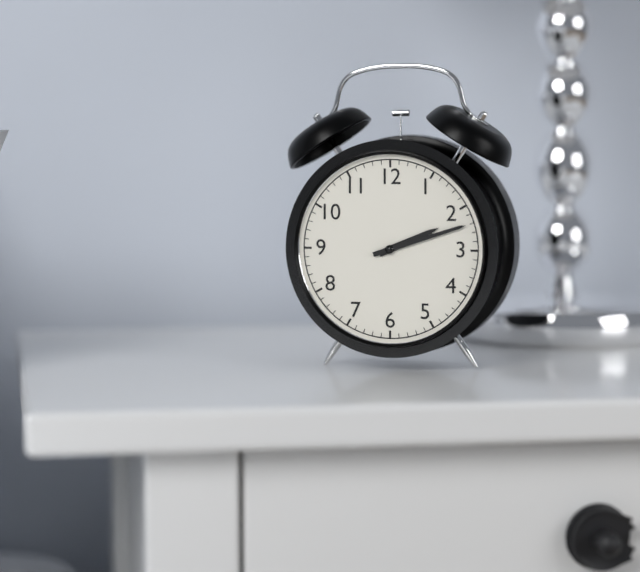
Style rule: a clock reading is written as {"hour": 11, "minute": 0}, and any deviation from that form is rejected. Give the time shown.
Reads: {"hour": 2, "minute": 12}
